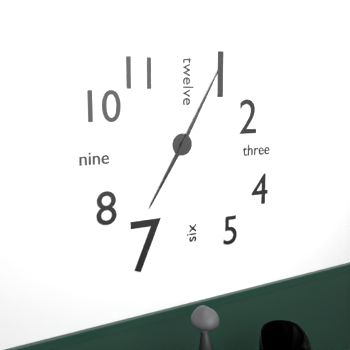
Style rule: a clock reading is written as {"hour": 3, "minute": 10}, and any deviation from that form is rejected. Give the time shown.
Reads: {"hour": 7, "minute": 5}
